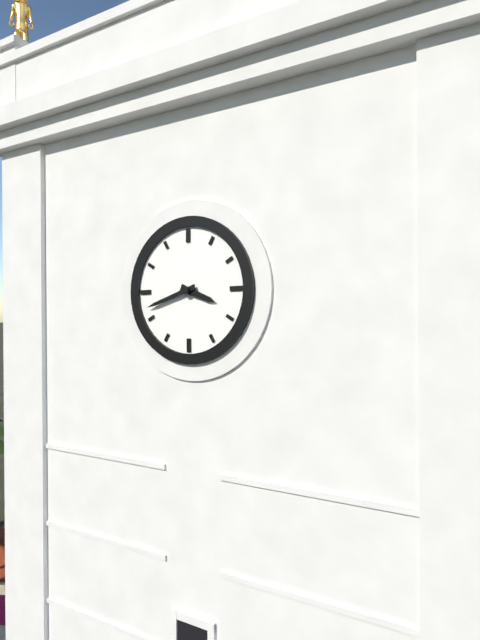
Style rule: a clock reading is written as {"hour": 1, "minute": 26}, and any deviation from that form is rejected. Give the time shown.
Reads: {"hour": 3, "minute": 42}
